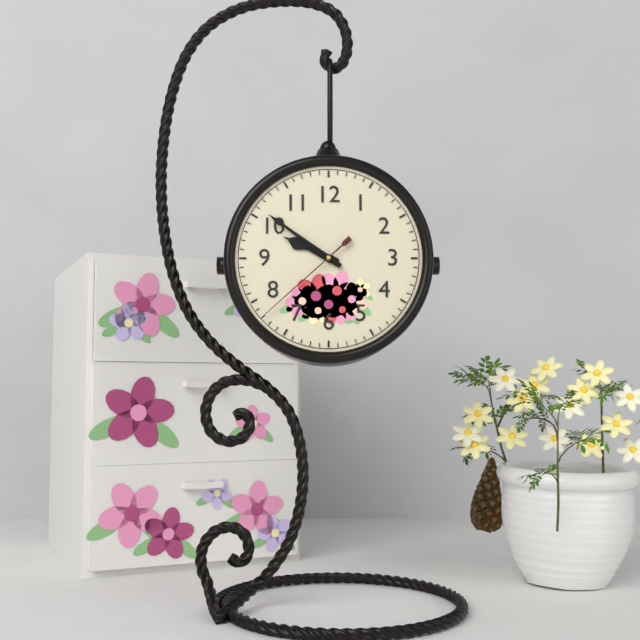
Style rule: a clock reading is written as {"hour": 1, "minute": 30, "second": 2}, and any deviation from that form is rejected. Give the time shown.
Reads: {"hour": 9, "minute": 51, "second": 38}
